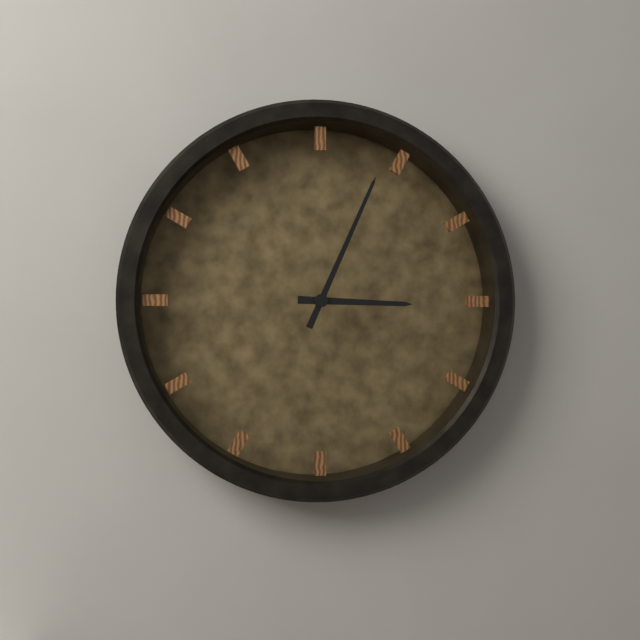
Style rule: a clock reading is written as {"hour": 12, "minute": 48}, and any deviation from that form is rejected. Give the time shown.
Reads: {"hour": 3, "minute": 4}
